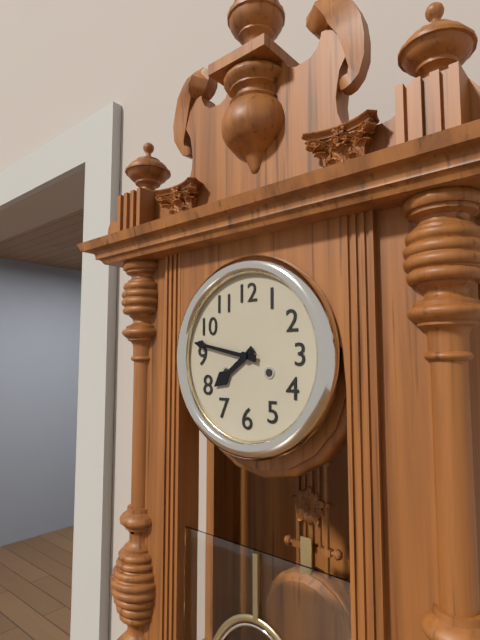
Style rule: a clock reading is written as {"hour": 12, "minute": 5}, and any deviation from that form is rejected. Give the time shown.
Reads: {"hour": 7, "minute": 47}
